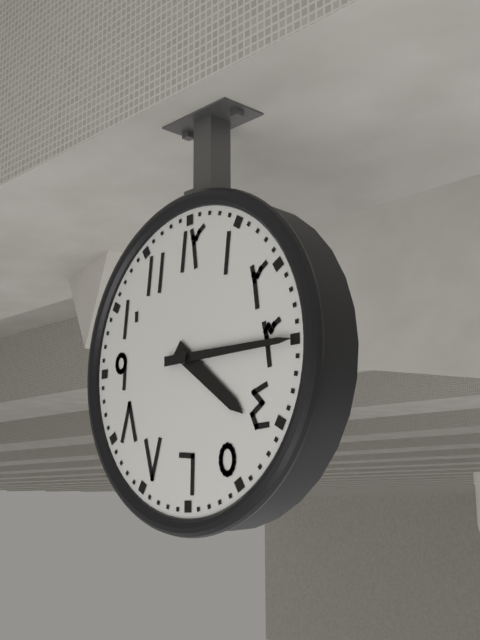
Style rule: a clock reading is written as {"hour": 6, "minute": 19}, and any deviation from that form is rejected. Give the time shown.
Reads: {"hour": 4, "minute": 15}
